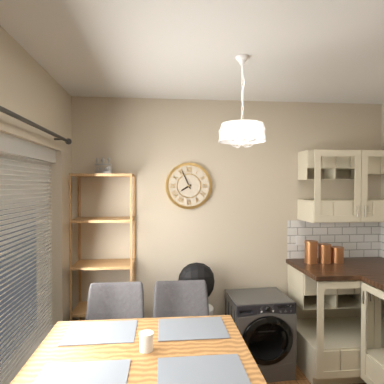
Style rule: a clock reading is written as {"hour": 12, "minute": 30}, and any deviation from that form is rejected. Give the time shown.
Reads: {"hour": 7, "minute": 56}
